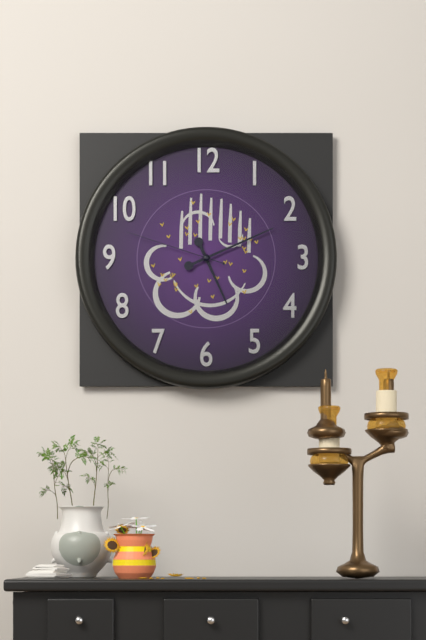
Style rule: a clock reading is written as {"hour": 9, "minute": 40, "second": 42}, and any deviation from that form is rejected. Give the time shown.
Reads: {"hour": 5, "minute": 11, "second": 48}
